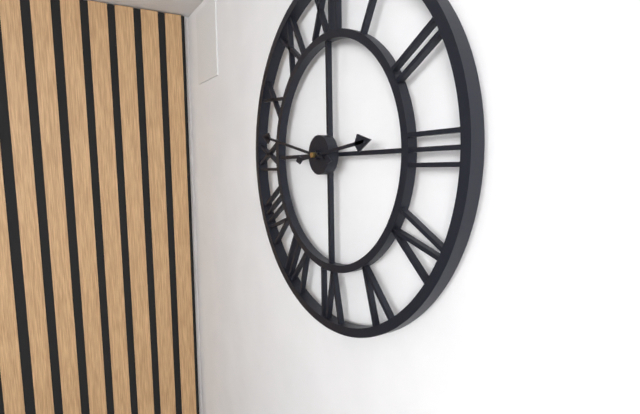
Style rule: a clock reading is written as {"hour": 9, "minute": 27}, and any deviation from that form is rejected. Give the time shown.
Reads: {"hour": 2, "minute": 47}
